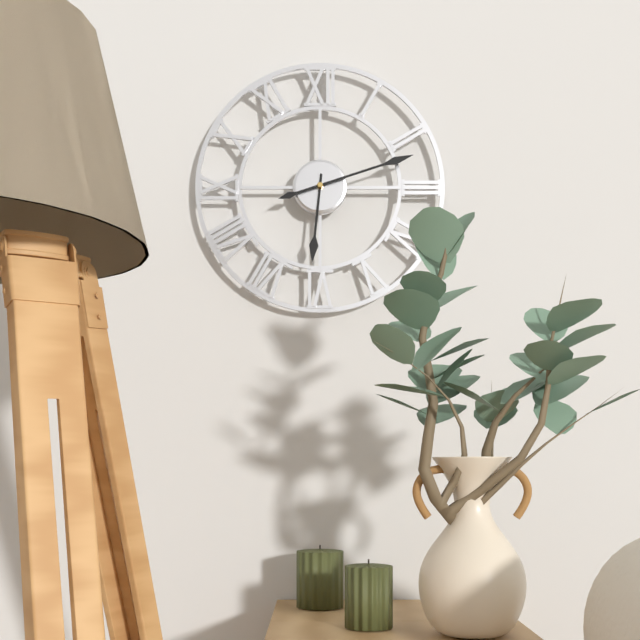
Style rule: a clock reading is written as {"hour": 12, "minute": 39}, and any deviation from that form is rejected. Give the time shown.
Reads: {"hour": 6, "minute": 12}
